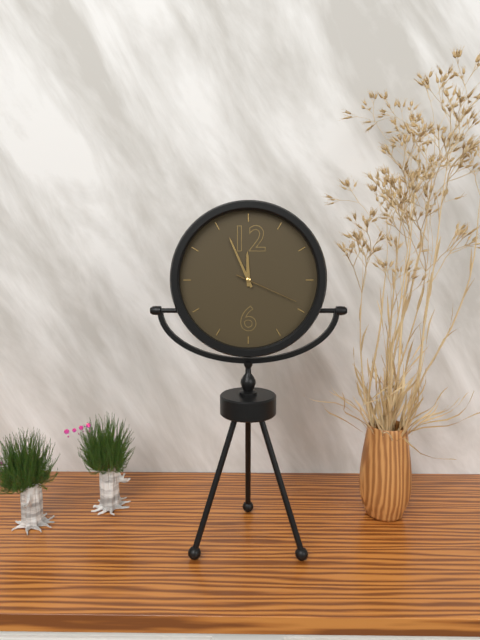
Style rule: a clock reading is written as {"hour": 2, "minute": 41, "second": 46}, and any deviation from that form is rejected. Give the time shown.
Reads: {"hour": 11, "minute": 56, "second": 19}
